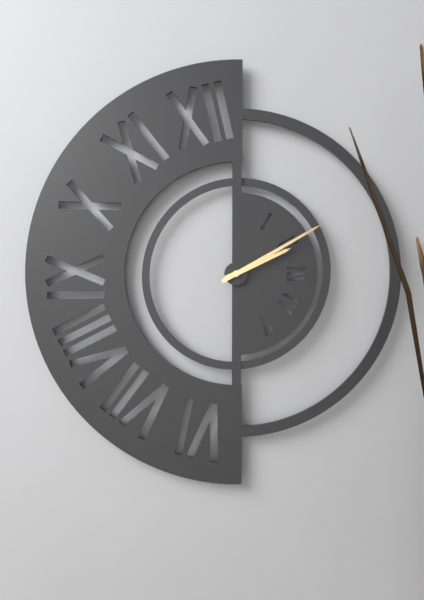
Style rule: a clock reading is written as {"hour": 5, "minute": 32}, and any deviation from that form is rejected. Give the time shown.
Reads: {"hour": 2, "minute": 10}
